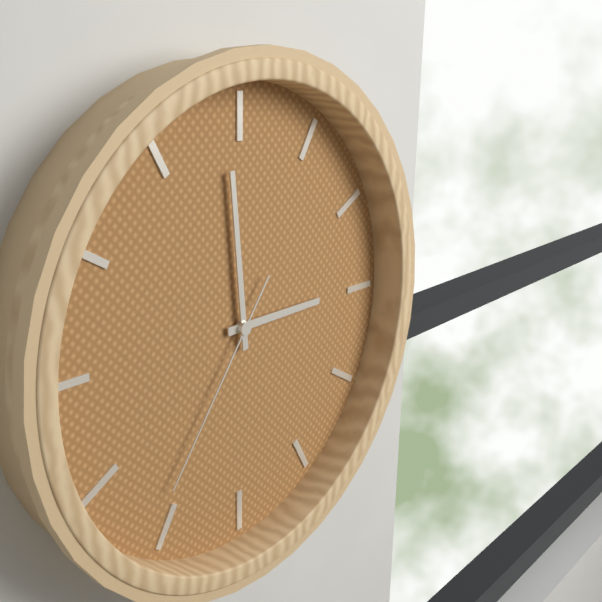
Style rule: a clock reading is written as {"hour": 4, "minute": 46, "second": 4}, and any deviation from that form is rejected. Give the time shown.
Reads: {"hour": 2, "minute": 59, "second": 36}
